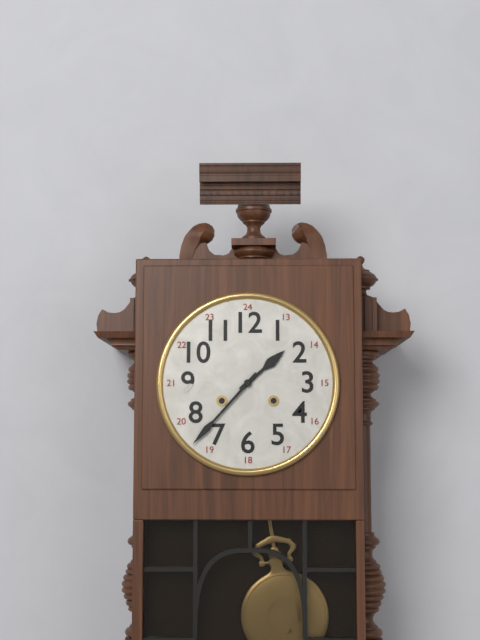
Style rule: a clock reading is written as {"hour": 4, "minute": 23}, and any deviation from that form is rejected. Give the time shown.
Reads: {"hour": 1, "minute": 37}
